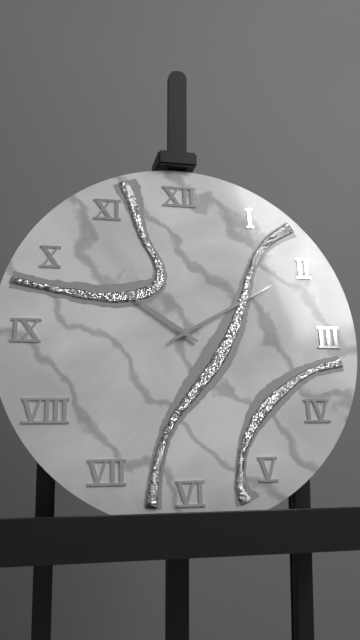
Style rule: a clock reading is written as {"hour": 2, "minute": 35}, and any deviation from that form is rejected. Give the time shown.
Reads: {"hour": 10, "minute": 10}
